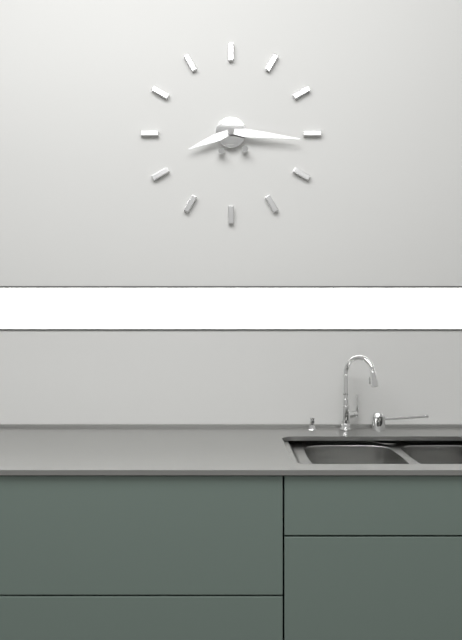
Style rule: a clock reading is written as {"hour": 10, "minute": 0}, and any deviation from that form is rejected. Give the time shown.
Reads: {"hour": 8, "minute": 16}
